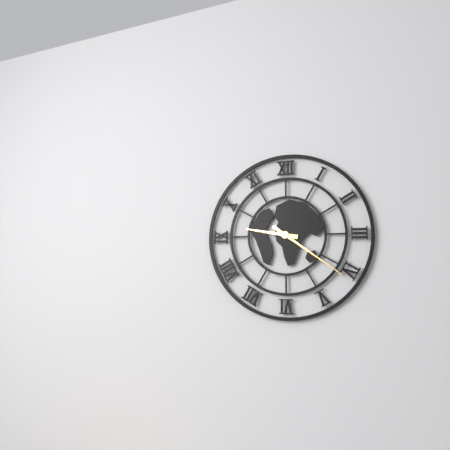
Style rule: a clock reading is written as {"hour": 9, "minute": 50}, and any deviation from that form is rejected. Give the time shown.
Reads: {"hour": 9, "minute": 21}
